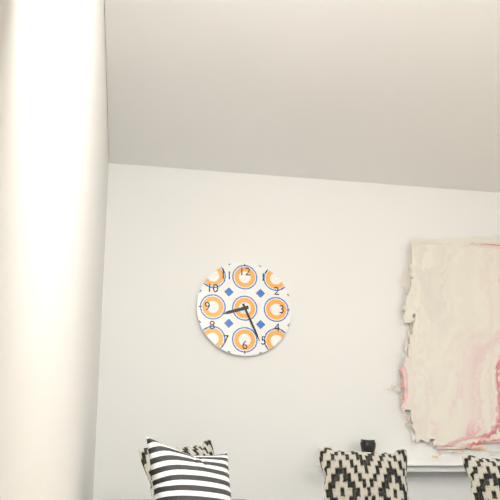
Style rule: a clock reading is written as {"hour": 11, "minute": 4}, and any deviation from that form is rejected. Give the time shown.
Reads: {"hour": 8, "minute": 26}
